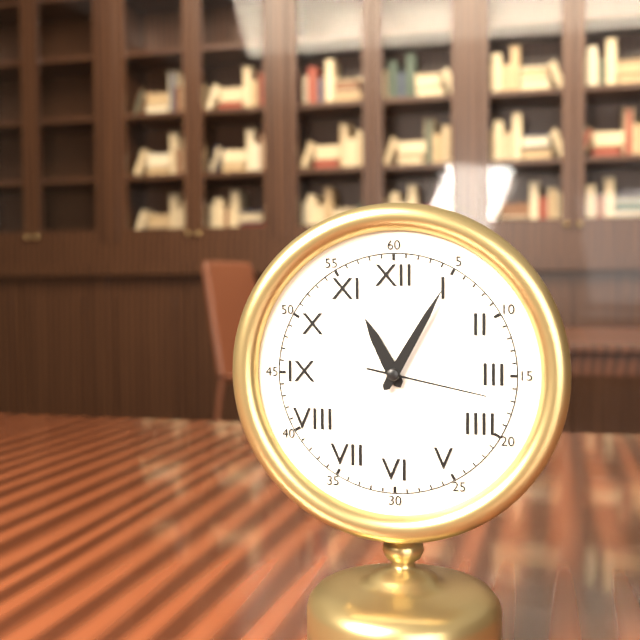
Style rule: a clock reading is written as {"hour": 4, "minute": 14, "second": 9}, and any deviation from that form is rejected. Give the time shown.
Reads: {"hour": 11, "minute": 5, "second": 17}
